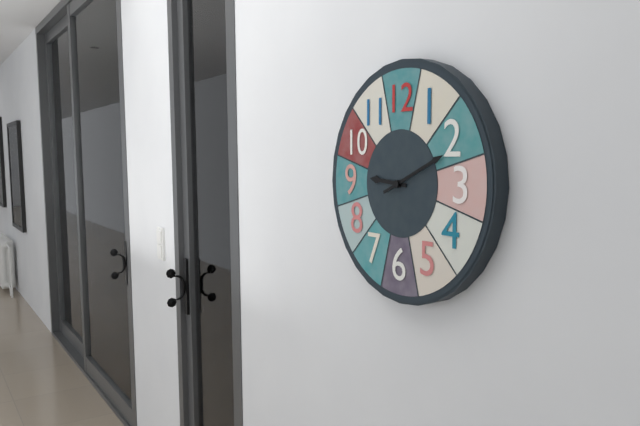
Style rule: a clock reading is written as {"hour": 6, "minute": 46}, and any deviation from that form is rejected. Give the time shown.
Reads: {"hour": 9, "minute": 11}
